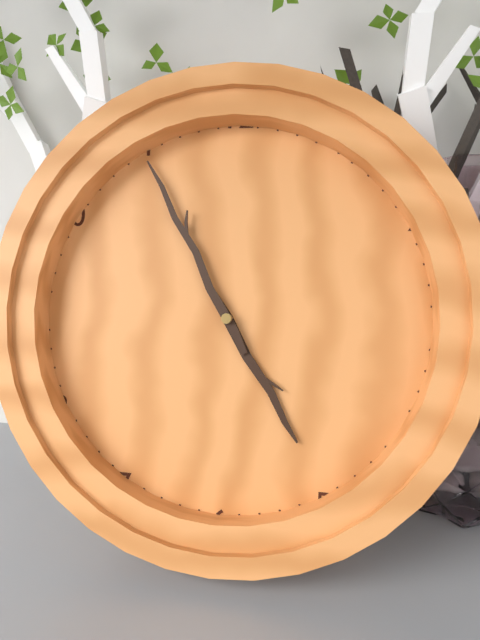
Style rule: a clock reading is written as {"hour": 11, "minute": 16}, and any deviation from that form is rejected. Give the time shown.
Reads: {"hour": 4, "minute": 55}
